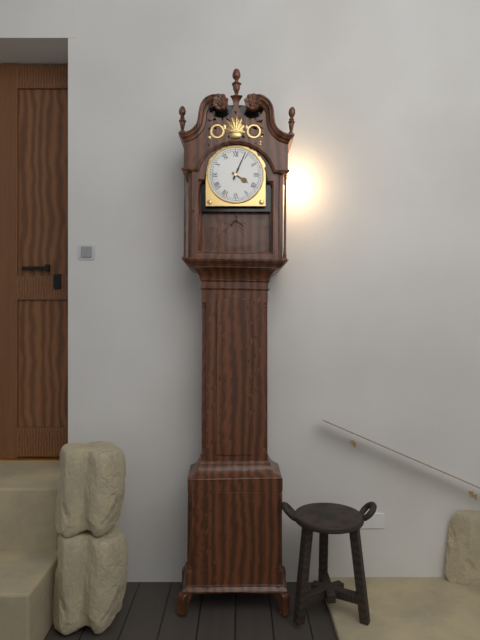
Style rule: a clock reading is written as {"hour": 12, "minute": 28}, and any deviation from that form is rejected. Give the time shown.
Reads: {"hour": 4, "minute": 4}
